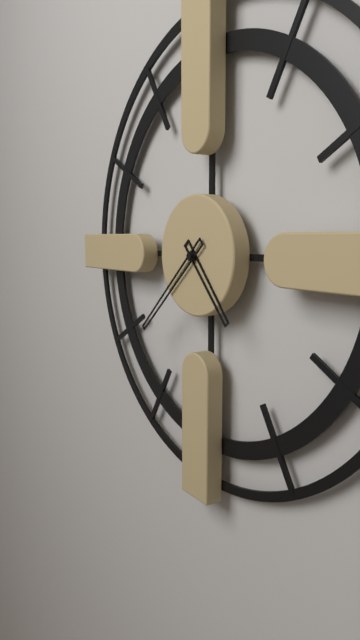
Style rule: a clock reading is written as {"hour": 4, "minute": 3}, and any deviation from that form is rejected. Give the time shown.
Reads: {"hour": 4, "minute": 38}
